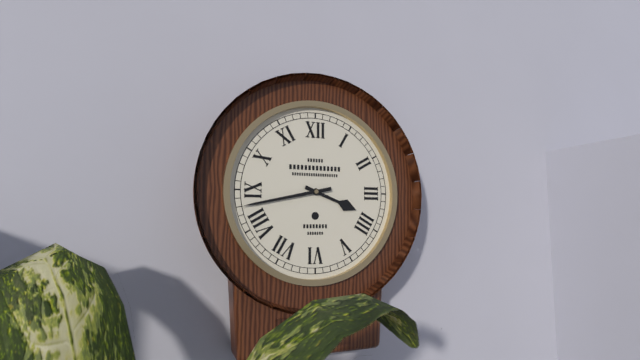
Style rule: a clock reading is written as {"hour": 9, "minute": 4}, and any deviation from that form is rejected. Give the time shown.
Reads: {"hour": 3, "minute": 43}
